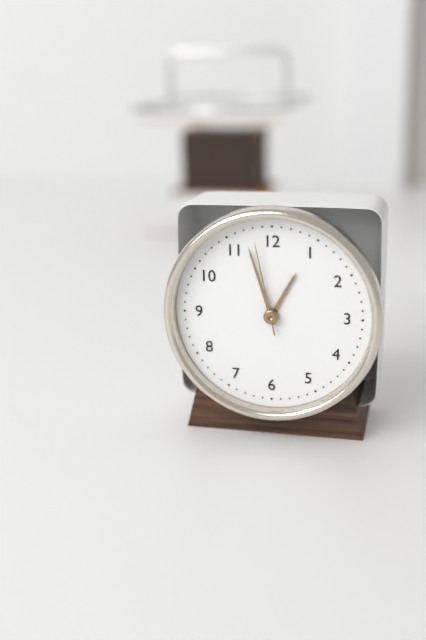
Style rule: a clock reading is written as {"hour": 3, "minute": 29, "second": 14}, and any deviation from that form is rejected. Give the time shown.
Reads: {"hour": 12, "minute": 57, "second": 58}
